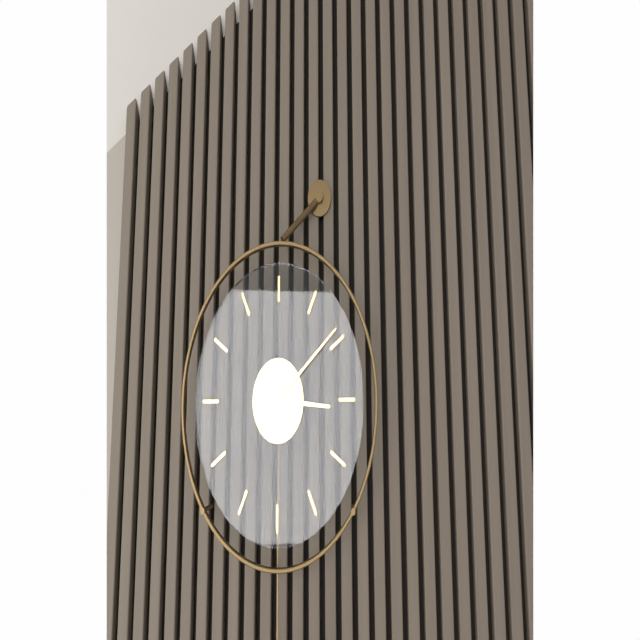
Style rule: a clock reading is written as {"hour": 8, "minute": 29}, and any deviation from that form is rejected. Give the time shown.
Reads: {"hour": 3, "minute": 9}
